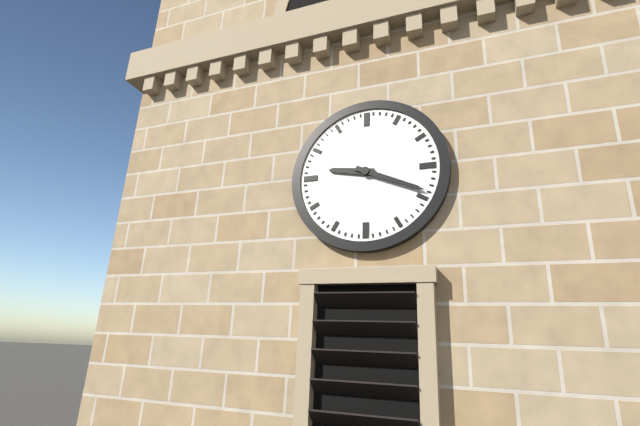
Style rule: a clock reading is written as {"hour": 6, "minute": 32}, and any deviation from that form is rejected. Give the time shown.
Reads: {"hour": 9, "minute": 19}
